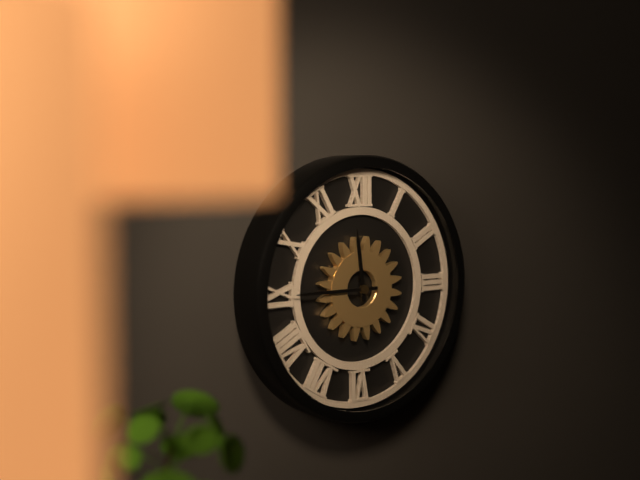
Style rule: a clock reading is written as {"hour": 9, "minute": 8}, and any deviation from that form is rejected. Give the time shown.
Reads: {"hour": 11, "minute": 45}
